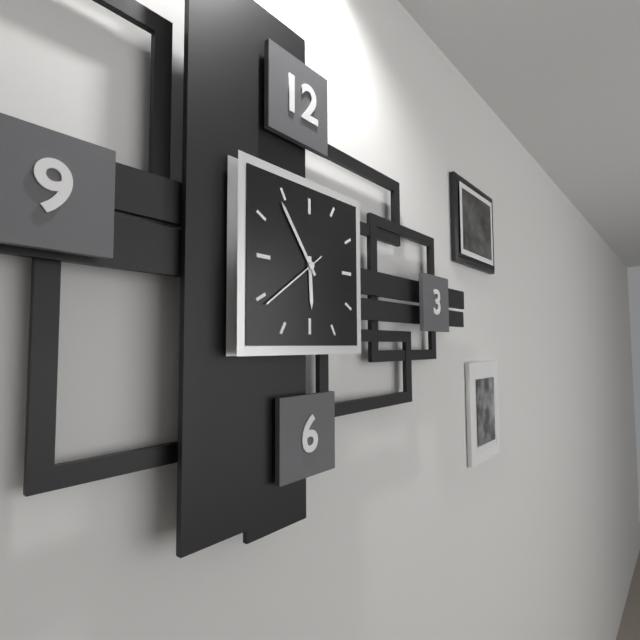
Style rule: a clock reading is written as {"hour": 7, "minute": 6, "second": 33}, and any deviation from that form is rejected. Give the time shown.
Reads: {"hour": 5, "minute": 54, "second": 39}
